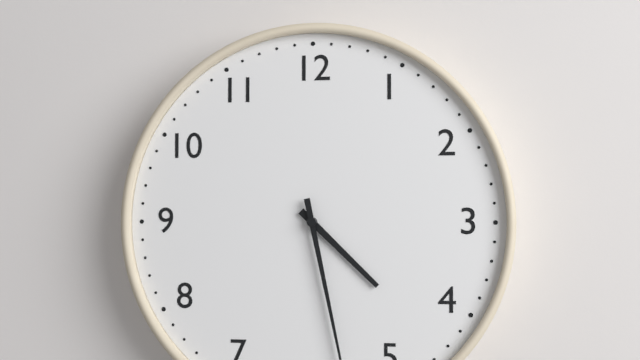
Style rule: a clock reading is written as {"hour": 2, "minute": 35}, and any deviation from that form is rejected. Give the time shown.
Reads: {"hour": 4, "minute": 28}
